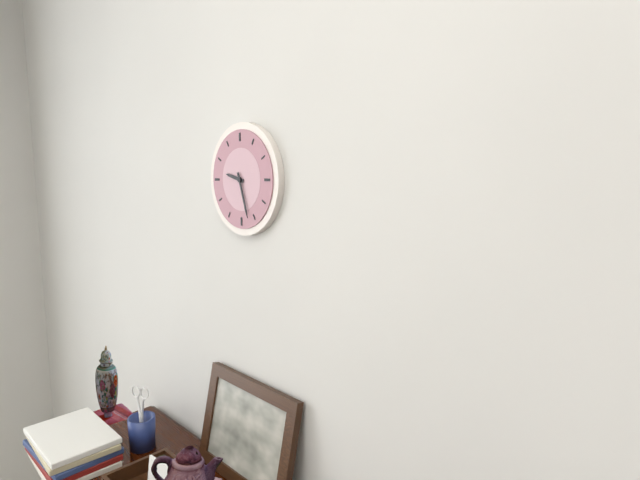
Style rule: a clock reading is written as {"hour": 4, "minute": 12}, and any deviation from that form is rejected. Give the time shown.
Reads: {"hour": 9, "minute": 27}
